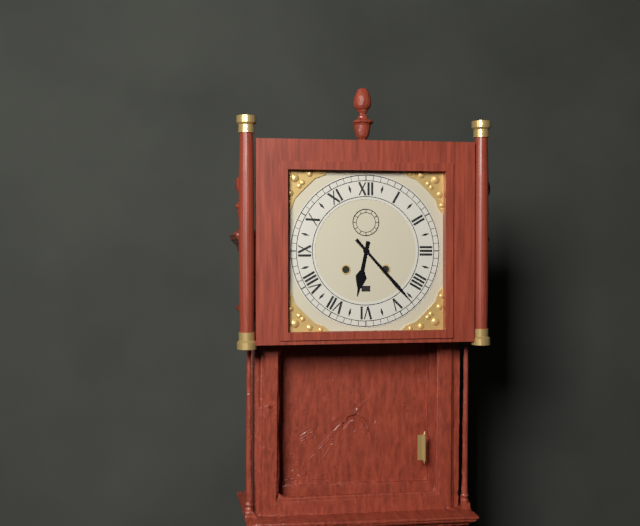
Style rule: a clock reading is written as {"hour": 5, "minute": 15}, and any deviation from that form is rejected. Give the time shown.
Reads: {"hour": 6, "minute": 23}
